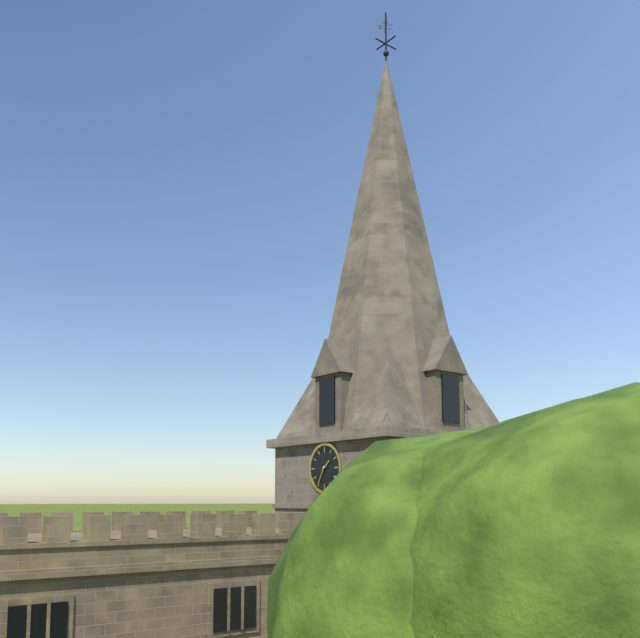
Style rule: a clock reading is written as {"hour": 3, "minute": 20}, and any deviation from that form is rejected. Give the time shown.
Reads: {"hour": 1, "minute": 35}
